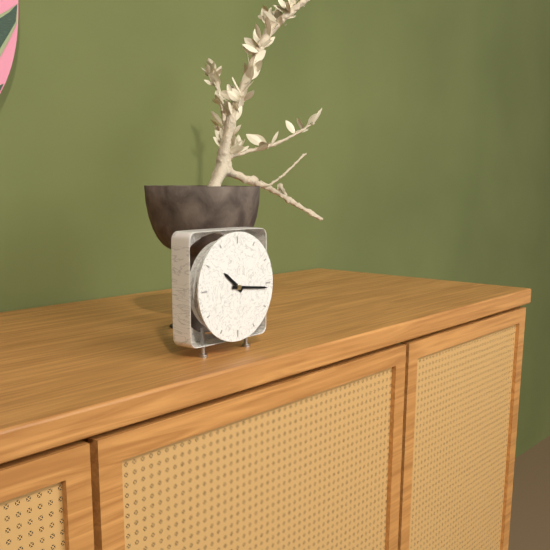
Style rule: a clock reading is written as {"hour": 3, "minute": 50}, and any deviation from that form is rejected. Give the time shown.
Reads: {"hour": 10, "minute": 16}
